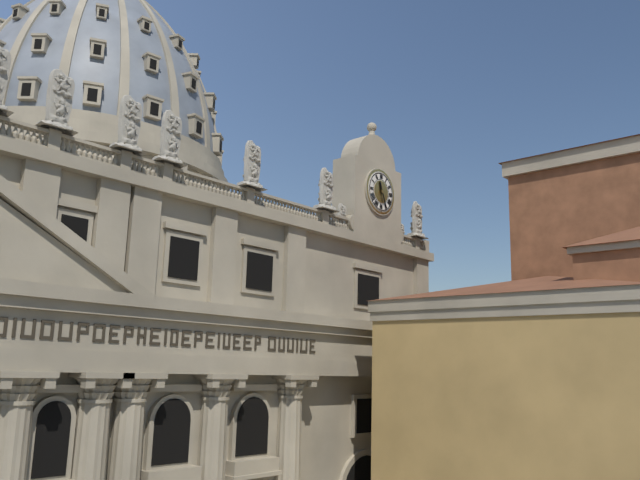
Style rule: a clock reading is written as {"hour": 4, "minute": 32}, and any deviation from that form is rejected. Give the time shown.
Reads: {"hour": 11, "minute": 26}
